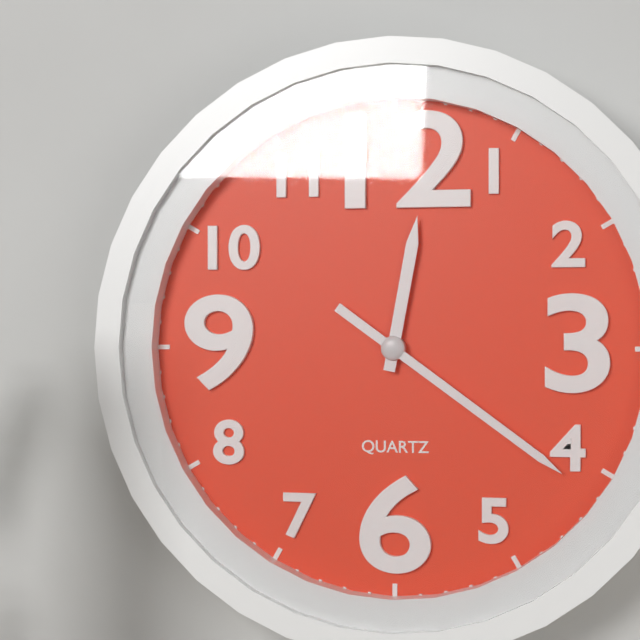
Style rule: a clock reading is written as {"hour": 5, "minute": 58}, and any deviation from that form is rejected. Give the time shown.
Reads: {"hour": 12, "minute": 21}
